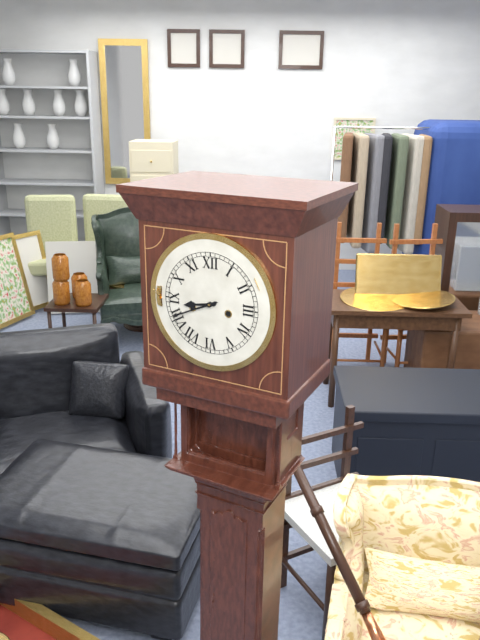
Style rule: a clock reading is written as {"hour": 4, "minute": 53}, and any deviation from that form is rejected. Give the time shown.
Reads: {"hour": 8, "minute": 41}
